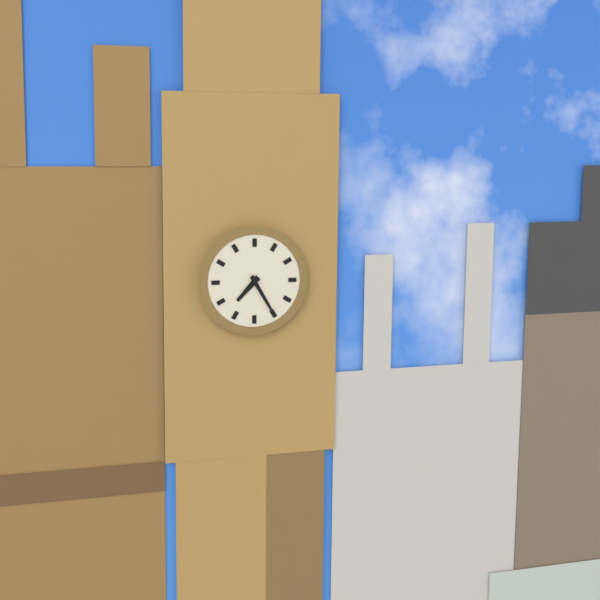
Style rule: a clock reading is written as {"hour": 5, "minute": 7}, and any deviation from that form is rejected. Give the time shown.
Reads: {"hour": 7, "minute": 25}
